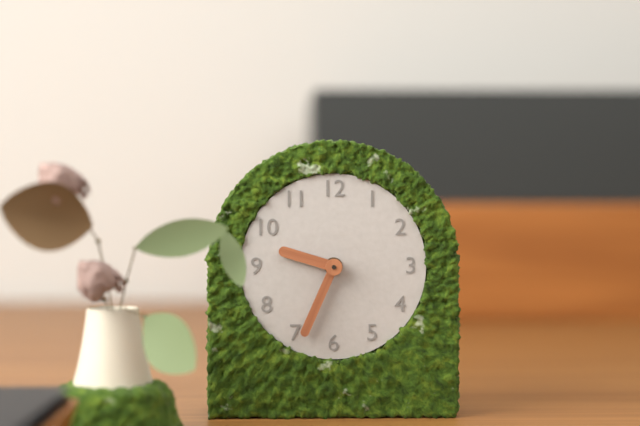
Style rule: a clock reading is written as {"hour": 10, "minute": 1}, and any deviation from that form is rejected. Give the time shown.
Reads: {"hour": 9, "minute": 34}
